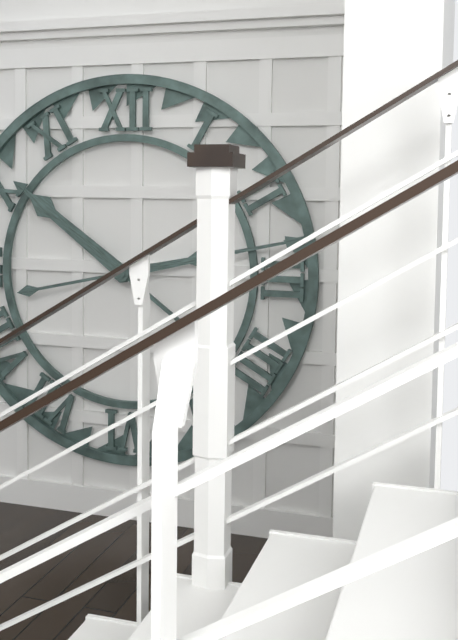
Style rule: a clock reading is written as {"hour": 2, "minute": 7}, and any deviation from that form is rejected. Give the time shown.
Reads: {"hour": 10, "minute": 13}
